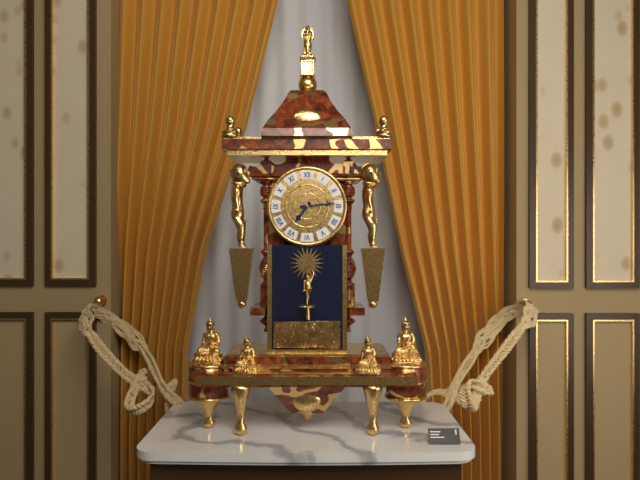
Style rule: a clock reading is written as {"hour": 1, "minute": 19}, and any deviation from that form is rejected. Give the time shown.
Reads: {"hour": 7, "minute": 14}
